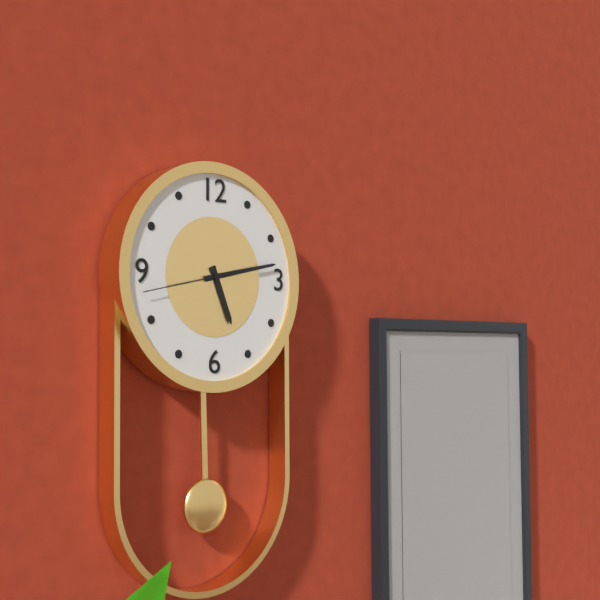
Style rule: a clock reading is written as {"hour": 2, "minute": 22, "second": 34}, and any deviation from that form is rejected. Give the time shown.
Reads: {"hour": 5, "minute": 13, "second": 43}
